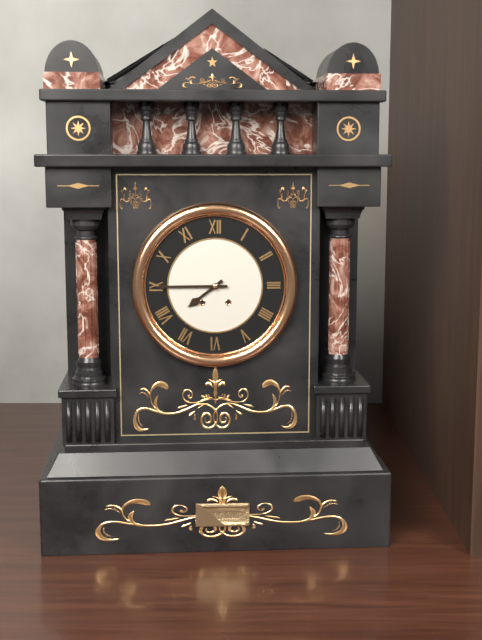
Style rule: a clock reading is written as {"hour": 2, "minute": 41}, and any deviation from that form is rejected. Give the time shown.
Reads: {"hour": 7, "minute": 45}
